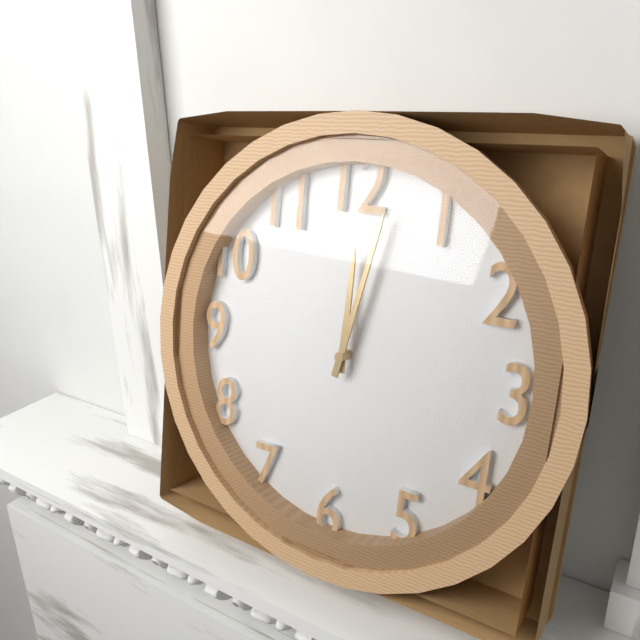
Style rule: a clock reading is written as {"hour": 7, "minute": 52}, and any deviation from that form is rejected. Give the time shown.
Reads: {"hour": 12, "minute": 2}
